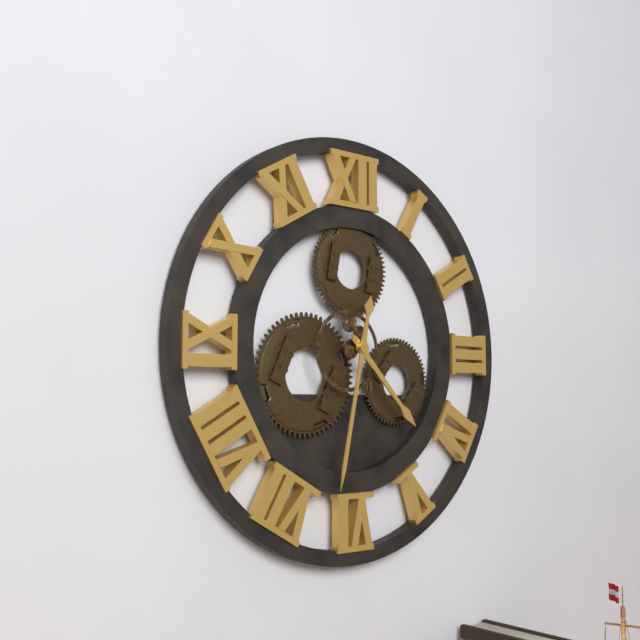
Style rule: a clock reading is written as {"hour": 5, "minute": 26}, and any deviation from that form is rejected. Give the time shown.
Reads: {"hour": 4, "minute": 32}
